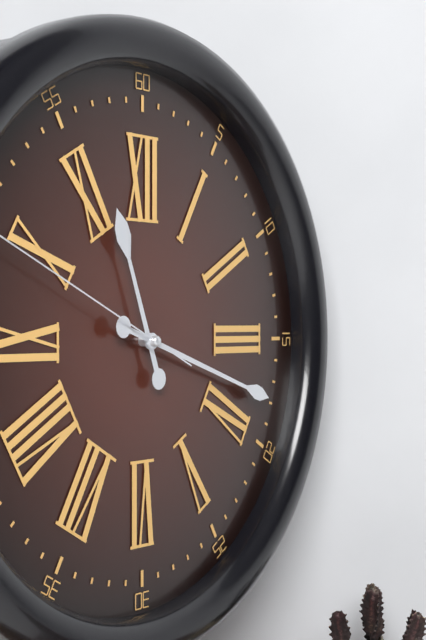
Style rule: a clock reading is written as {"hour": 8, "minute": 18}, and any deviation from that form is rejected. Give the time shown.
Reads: {"hour": 11, "minute": 18}
